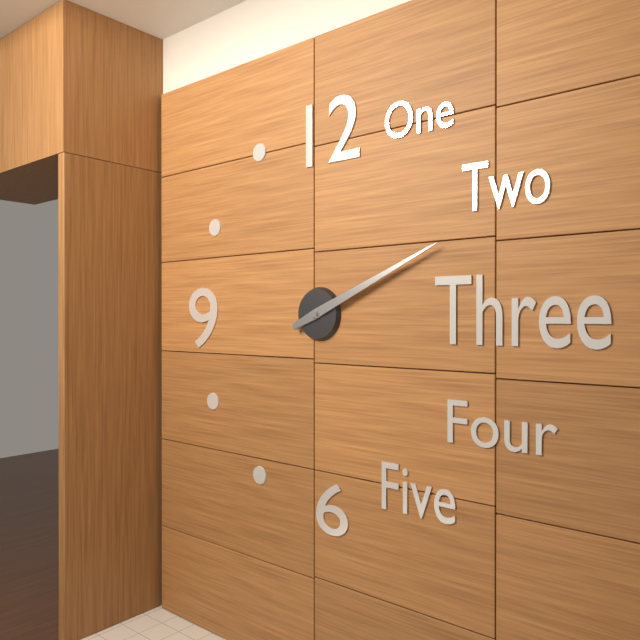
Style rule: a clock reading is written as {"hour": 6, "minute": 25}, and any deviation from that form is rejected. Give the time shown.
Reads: {"hour": 2, "minute": 11}
